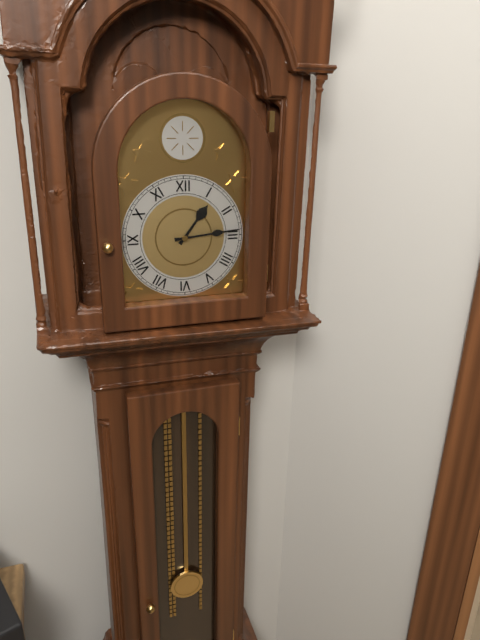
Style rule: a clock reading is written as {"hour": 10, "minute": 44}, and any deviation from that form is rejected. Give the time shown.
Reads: {"hour": 1, "minute": 14}
